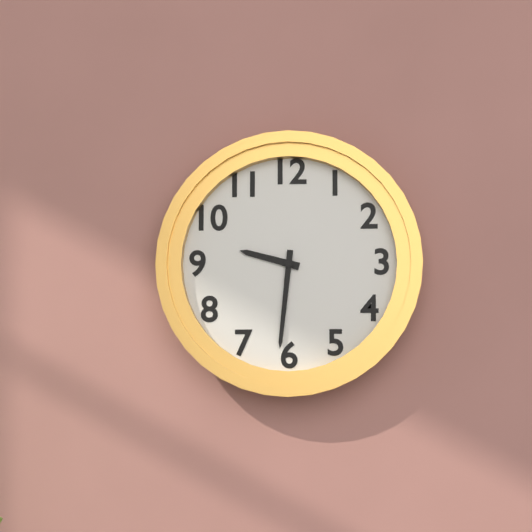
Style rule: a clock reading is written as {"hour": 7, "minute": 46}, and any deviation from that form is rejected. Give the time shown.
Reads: {"hour": 9, "minute": 31}
